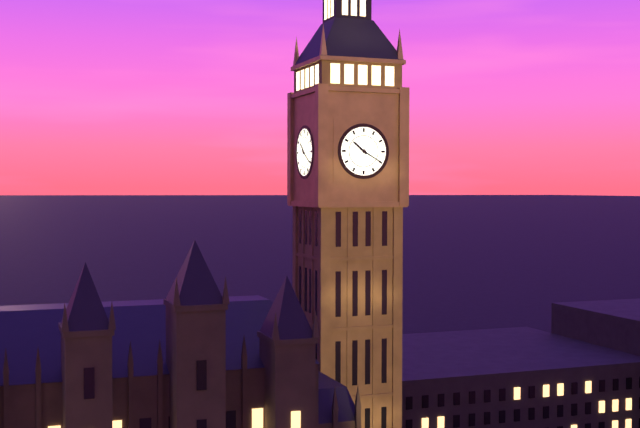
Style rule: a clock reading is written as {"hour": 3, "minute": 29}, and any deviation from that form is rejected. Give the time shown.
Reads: {"hour": 10, "minute": 20}
